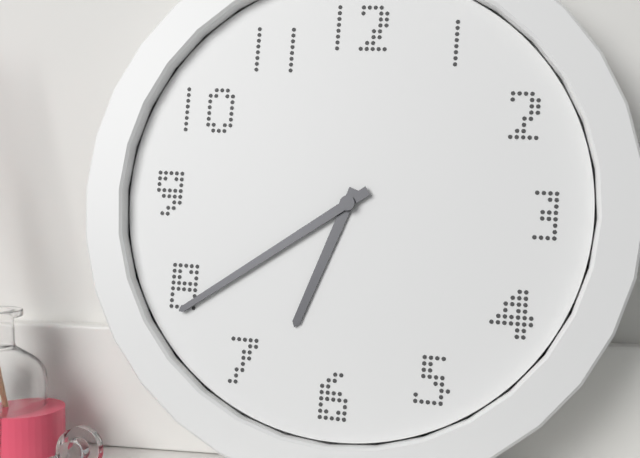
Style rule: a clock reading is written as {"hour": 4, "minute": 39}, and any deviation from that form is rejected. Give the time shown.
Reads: {"hour": 6, "minute": 39}
